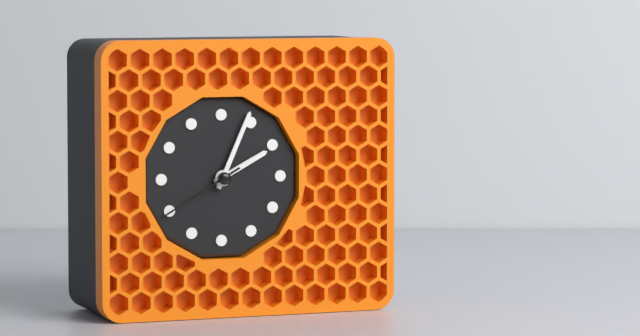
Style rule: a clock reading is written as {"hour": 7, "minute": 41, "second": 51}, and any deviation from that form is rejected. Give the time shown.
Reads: {"hour": 2, "minute": 4, "second": 40}
